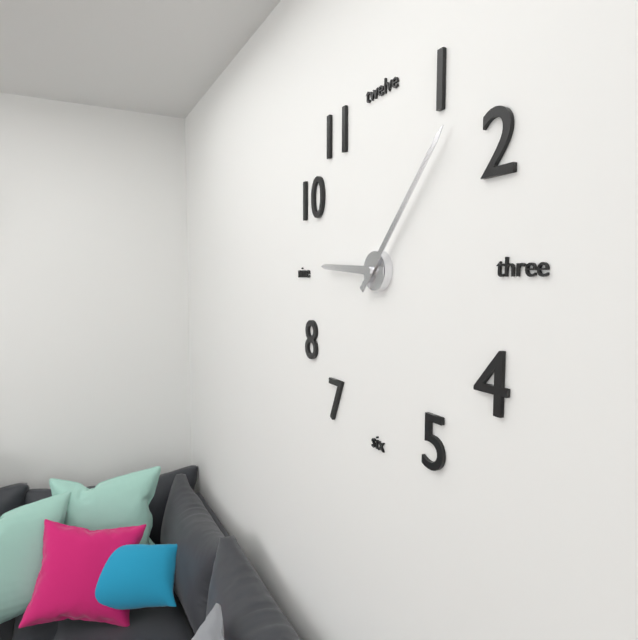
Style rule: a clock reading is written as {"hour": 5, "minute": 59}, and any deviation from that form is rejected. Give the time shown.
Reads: {"hour": 9, "minute": 7}
